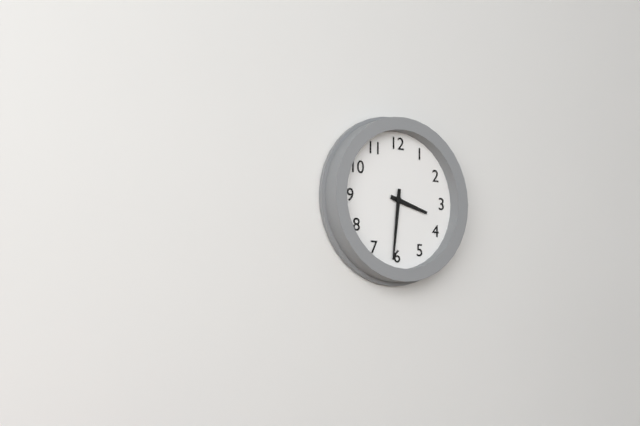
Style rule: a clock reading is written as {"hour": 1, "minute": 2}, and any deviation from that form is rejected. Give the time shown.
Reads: {"hour": 3, "minute": 31}
